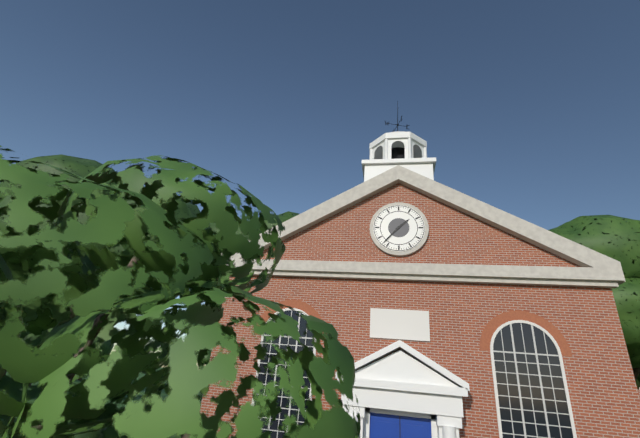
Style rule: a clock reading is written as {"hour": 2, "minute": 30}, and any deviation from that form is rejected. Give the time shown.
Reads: {"hour": 1, "minute": 37}
